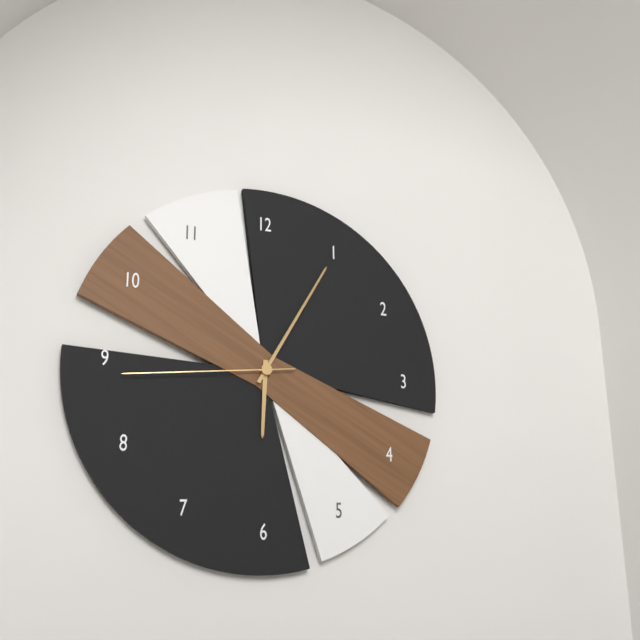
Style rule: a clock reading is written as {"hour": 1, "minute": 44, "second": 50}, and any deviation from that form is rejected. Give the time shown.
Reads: {"hour": 6, "minute": 5, "second": 44}
